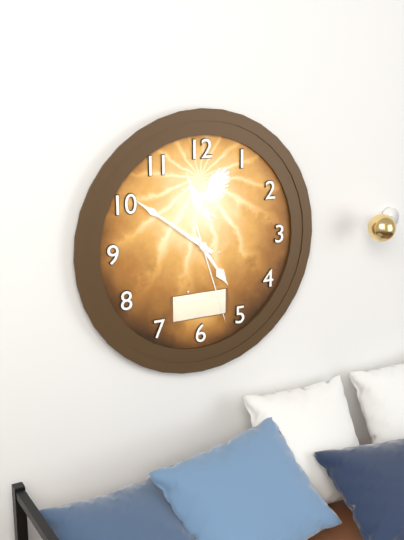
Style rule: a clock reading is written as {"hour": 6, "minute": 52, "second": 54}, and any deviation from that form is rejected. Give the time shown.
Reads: {"hour": 4, "minute": 51, "second": 27}
